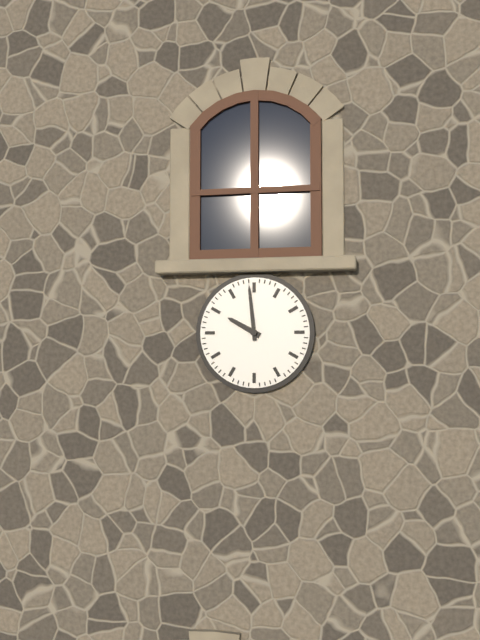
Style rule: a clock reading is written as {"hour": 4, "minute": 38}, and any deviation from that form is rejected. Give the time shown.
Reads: {"hour": 9, "minute": 59}
